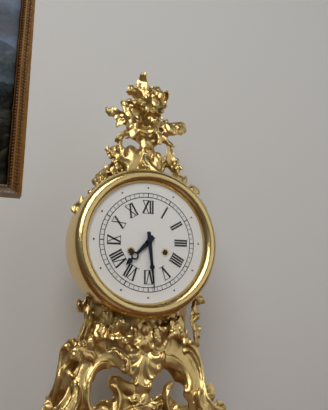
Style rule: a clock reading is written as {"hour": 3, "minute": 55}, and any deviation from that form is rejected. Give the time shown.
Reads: {"hour": 7, "minute": 29}
